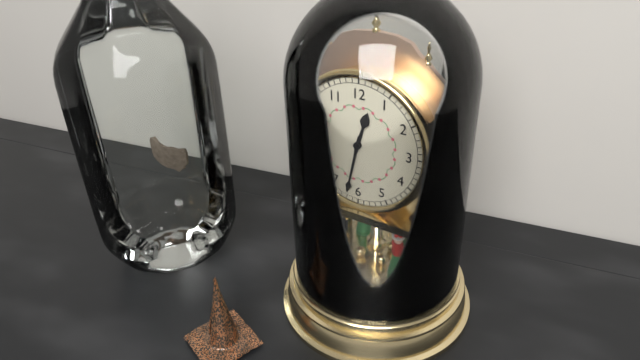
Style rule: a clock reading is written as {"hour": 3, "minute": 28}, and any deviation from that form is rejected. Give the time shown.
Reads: {"hour": 12, "minute": 32}
